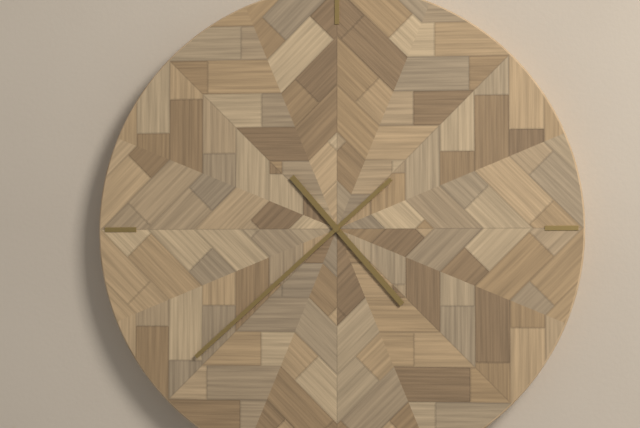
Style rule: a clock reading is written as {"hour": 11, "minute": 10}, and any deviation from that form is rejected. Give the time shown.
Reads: {"hour": 4, "minute": 38}
